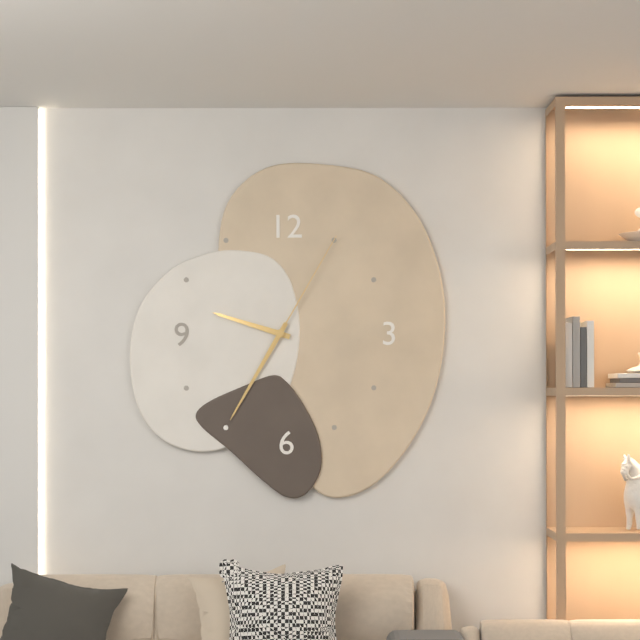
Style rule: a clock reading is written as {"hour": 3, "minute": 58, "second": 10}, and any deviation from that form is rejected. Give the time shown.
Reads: {"hour": 9, "minute": 35, "second": 5}
